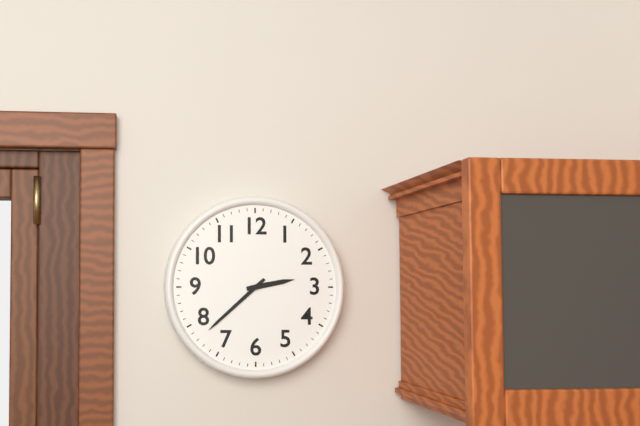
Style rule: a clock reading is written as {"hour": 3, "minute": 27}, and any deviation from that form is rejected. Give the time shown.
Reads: {"hour": 2, "minute": 38}
